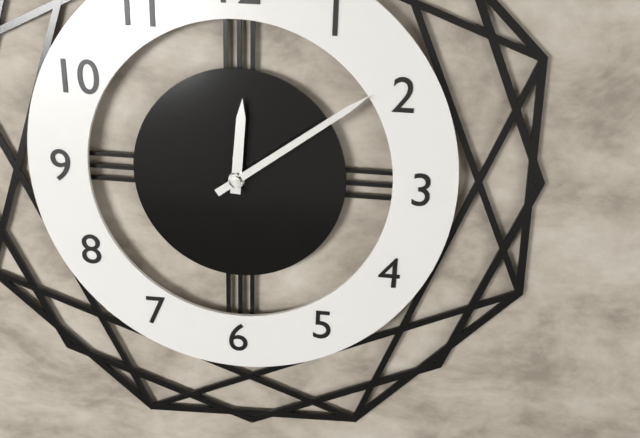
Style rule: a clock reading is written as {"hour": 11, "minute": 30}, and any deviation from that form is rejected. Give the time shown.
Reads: {"hour": 12, "minute": 9}
